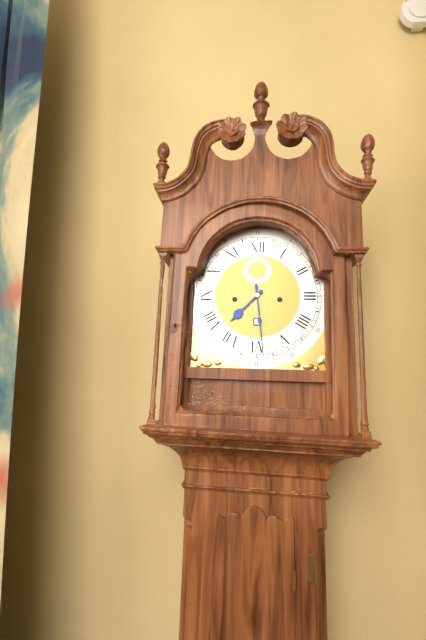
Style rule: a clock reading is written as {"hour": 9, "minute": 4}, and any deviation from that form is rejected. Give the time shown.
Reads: {"hour": 7, "minute": 29}
